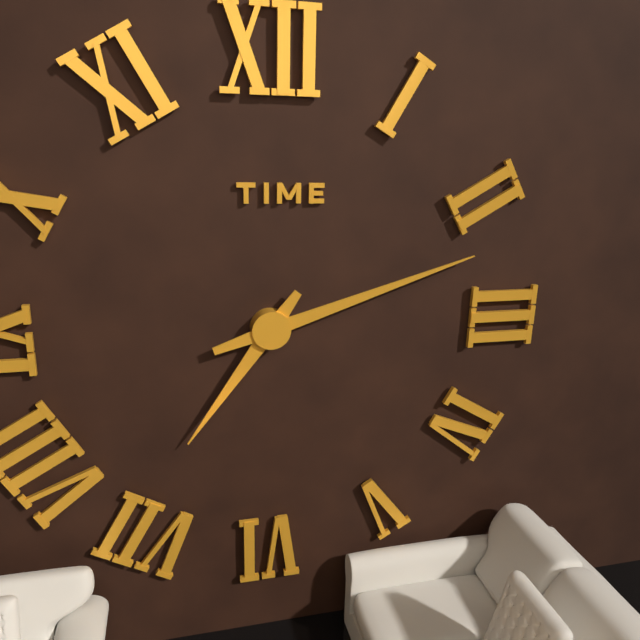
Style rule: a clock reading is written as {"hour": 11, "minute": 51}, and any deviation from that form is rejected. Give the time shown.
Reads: {"hour": 7, "minute": 12}
